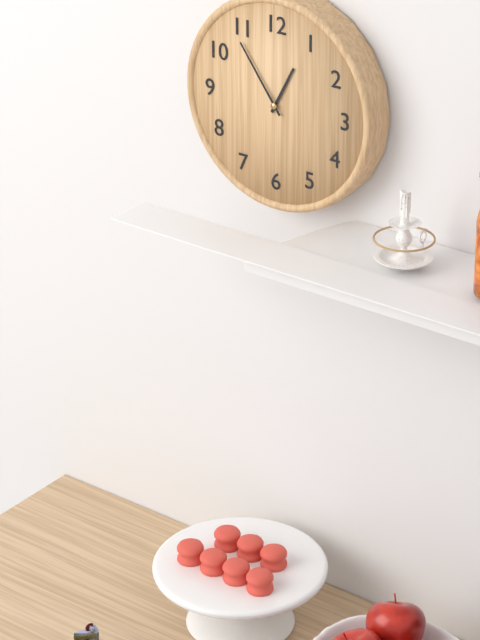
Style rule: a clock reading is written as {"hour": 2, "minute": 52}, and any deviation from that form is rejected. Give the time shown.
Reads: {"hour": 12, "minute": 54}
